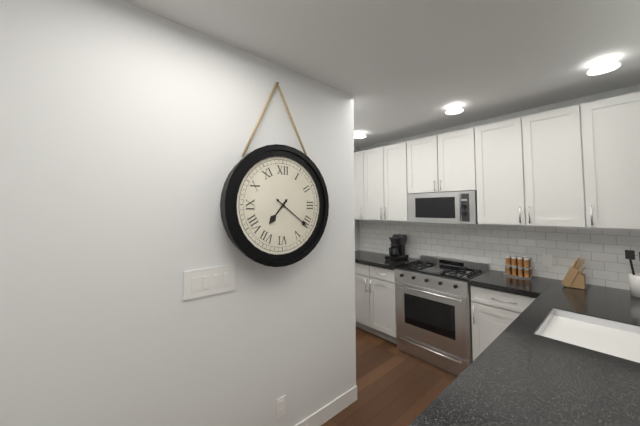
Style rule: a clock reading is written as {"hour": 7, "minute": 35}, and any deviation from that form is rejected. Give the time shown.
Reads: {"hour": 7, "minute": 21}
